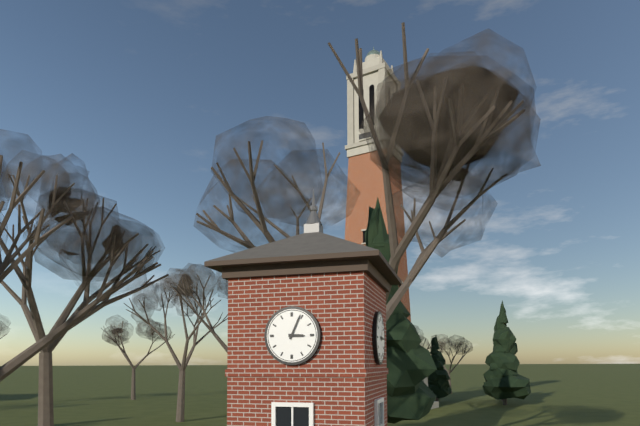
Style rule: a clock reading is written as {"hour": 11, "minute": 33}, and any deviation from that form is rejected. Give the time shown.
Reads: {"hour": 3, "minute": 4}
